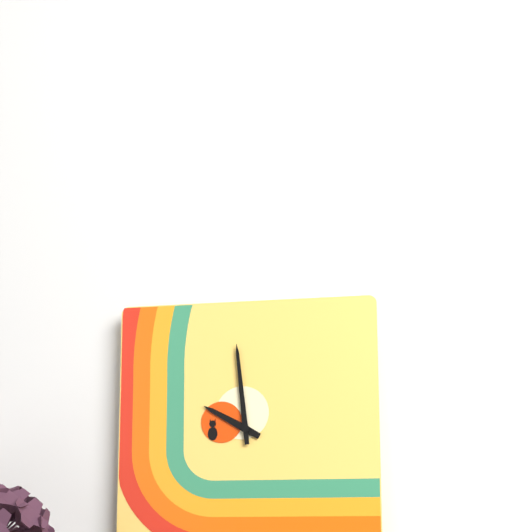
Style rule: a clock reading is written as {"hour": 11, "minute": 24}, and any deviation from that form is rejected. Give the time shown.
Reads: {"hour": 9, "minute": 59}
